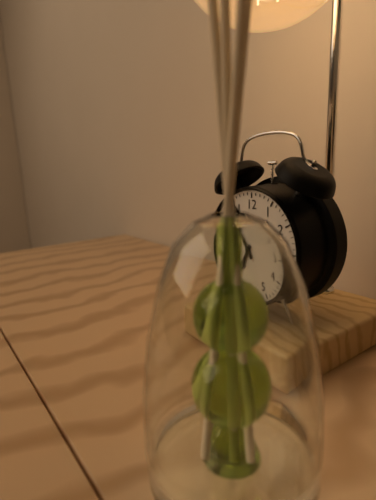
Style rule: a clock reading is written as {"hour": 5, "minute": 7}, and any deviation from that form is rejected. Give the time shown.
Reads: {"hour": 6, "minute": 55}
